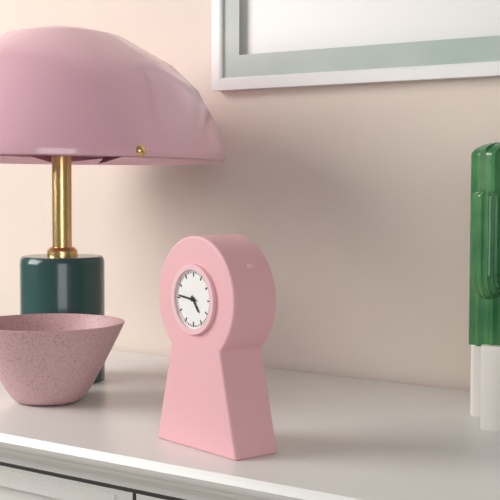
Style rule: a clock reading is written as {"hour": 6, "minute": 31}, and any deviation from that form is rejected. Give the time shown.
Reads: {"hour": 4, "minute": 46}
